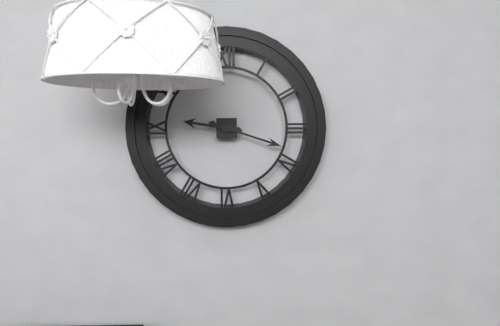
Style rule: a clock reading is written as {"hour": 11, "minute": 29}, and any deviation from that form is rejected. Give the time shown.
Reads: {"hour": 9, "minute": 18}
